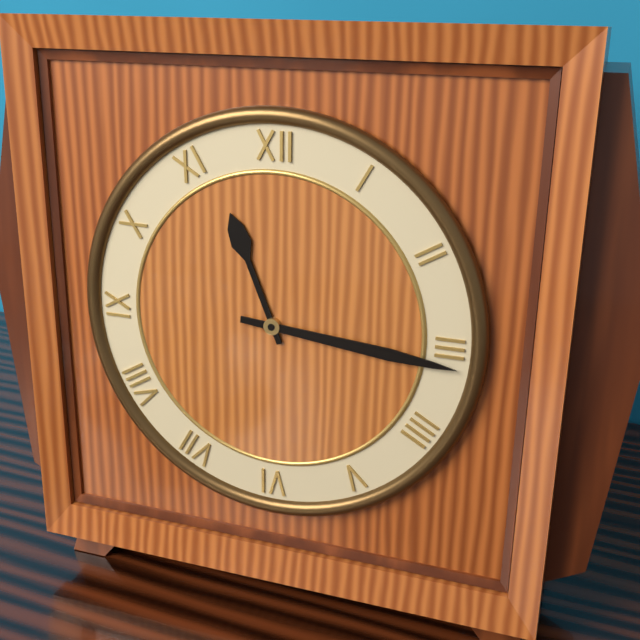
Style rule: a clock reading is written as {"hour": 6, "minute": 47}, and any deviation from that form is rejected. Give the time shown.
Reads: {"hour": 11, "minute": 16}
